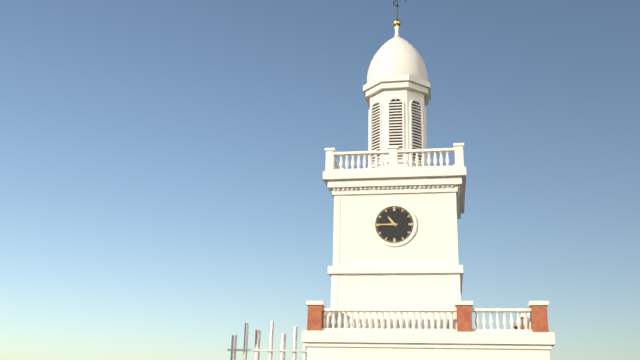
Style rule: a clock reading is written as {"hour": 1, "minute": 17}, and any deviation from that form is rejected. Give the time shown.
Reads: {"hour": 10, "minute": 45}
